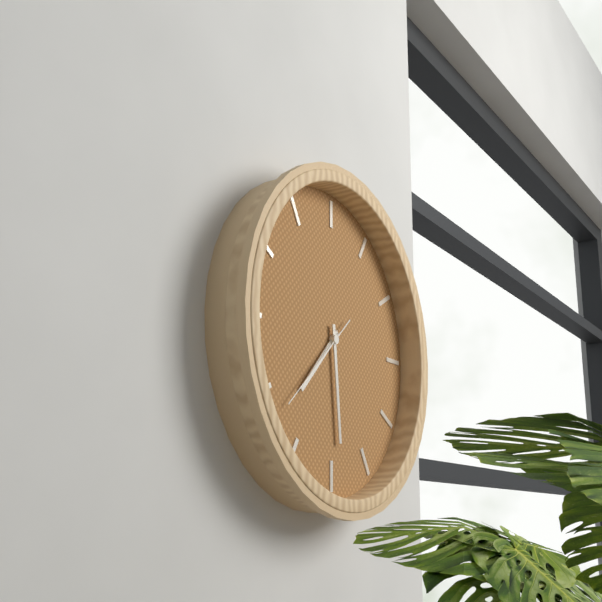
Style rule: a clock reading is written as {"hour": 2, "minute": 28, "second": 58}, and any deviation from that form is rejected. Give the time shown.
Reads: {"hour": 7, "minute": 29, "second": 38}
